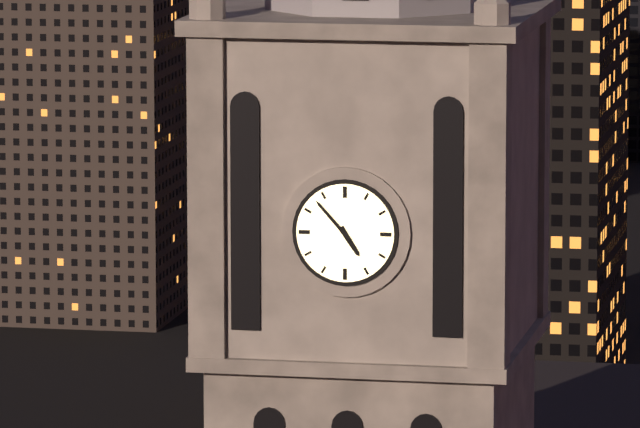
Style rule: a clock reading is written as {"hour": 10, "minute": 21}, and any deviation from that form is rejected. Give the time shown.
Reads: {"hour": 4, "minute": 53}
